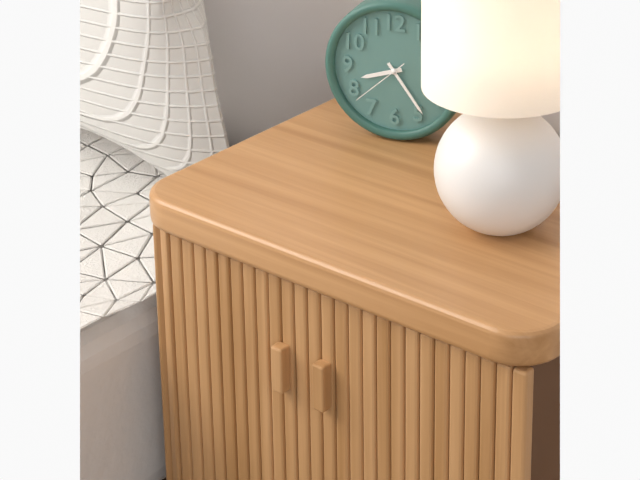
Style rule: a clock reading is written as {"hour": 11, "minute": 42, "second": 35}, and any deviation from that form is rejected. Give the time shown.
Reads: {"hour": 8, "minute": 24, "second": 38}
